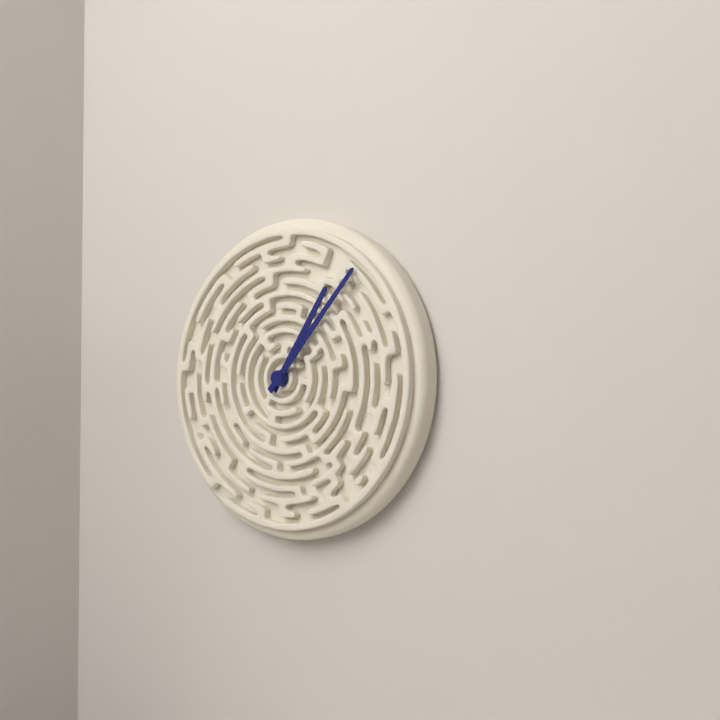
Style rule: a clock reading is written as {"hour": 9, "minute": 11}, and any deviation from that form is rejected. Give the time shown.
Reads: {"hour": 1, "minute": 7}
